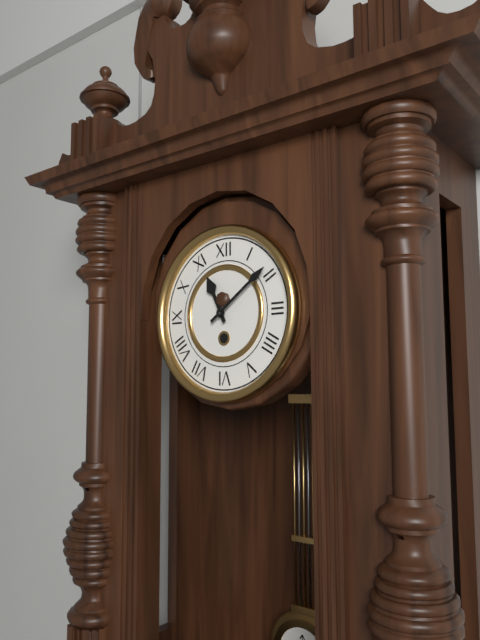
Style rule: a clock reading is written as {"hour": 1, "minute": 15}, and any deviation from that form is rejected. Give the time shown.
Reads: {"hour": 11, "minute": 9}
